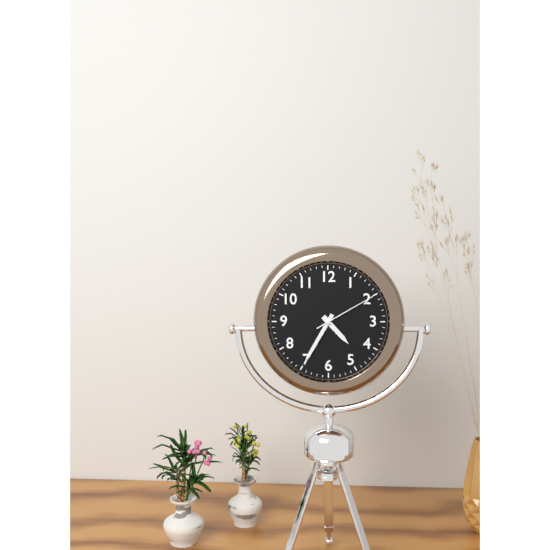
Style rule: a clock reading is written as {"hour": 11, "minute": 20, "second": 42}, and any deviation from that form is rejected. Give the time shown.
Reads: {"hour": 4, "minute": 35, "second": 10}
